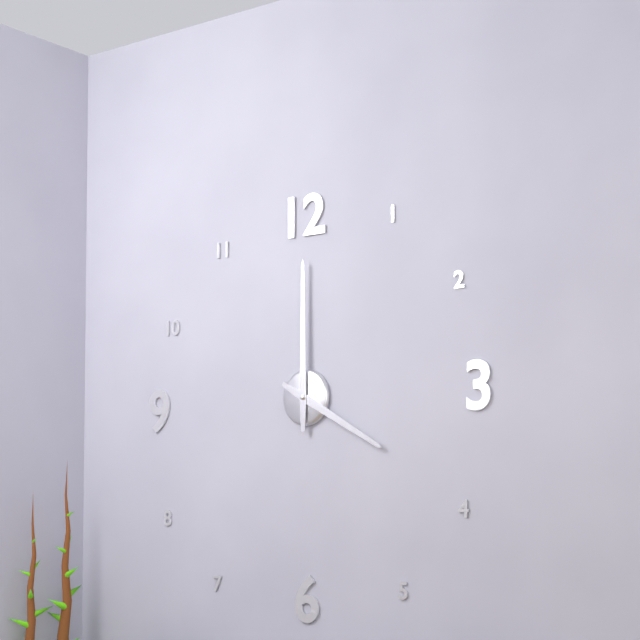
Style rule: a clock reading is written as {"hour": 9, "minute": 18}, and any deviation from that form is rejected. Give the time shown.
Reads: {"hour": 4, "minute": 0}
